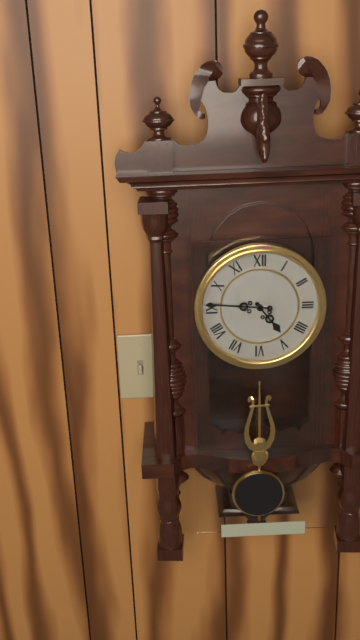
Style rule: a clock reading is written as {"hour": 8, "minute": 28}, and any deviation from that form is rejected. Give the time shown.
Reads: {"hour": 4, "minute": 46}
